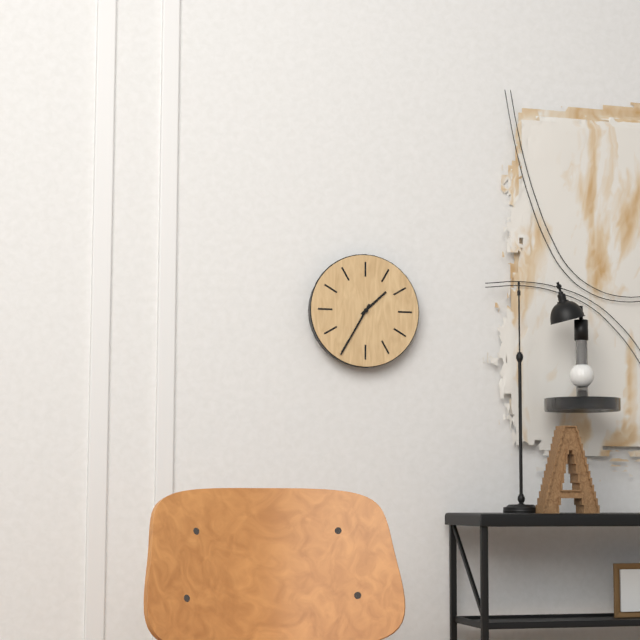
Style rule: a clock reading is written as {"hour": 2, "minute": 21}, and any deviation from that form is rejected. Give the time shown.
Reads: {"hour": 1, "minute": 35}
